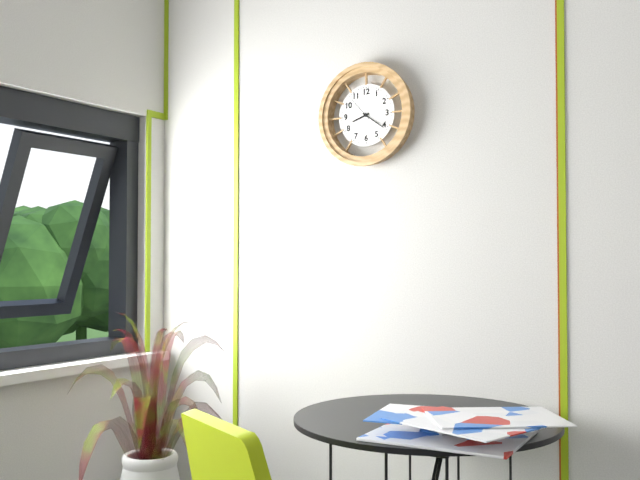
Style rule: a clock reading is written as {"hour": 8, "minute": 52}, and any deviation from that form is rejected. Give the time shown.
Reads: {"hour": 8, "minute": 21}
